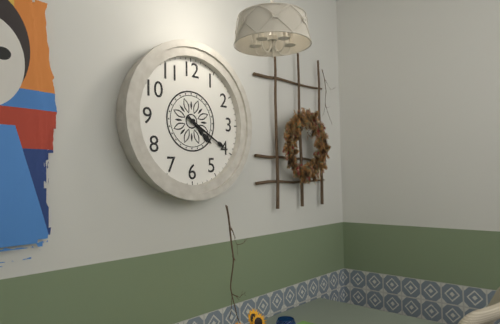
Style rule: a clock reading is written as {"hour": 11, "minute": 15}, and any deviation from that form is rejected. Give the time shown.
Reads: {"hour": 4, "minute": 20}
